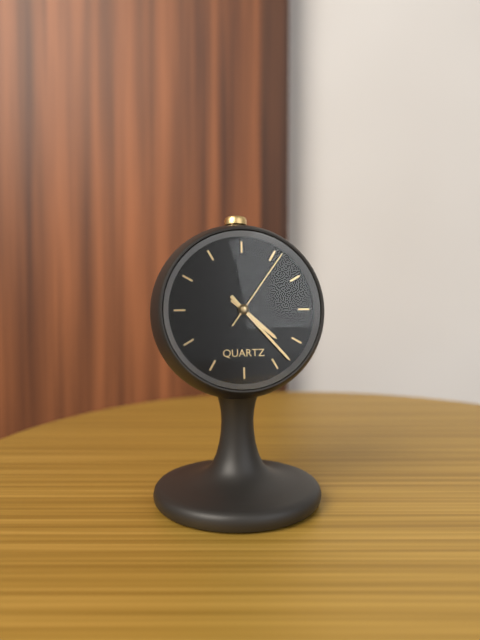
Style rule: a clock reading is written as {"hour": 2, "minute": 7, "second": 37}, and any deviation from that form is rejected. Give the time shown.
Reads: {"hour": 4, "minute": 23, "second": 6}
